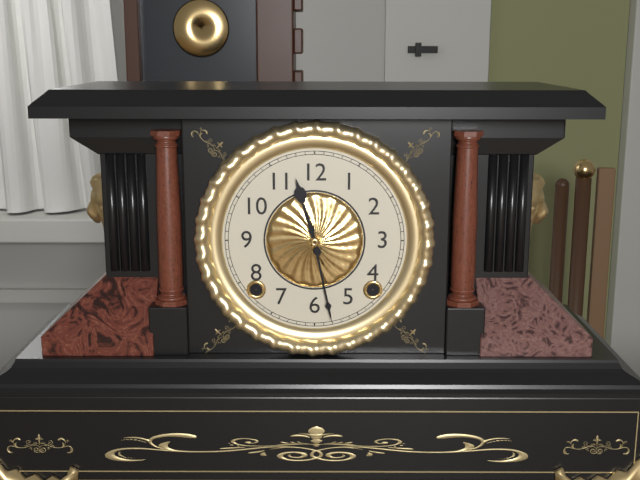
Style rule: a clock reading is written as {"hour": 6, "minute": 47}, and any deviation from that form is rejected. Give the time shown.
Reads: {"hour": 11, "minute": 28}
